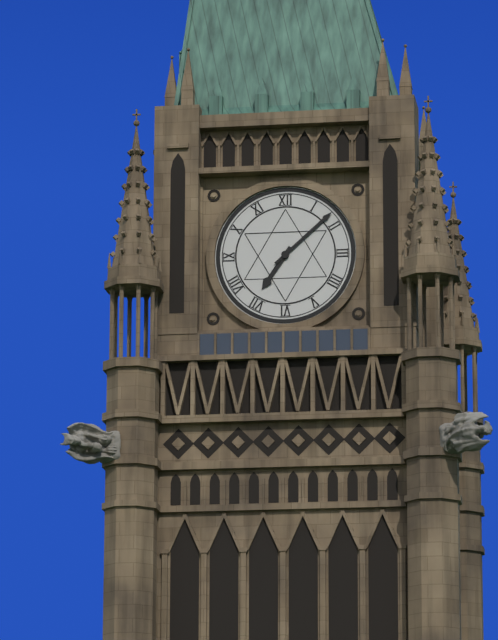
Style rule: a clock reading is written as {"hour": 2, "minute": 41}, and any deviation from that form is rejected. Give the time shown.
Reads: {"hour": 7, "minute": 8}
